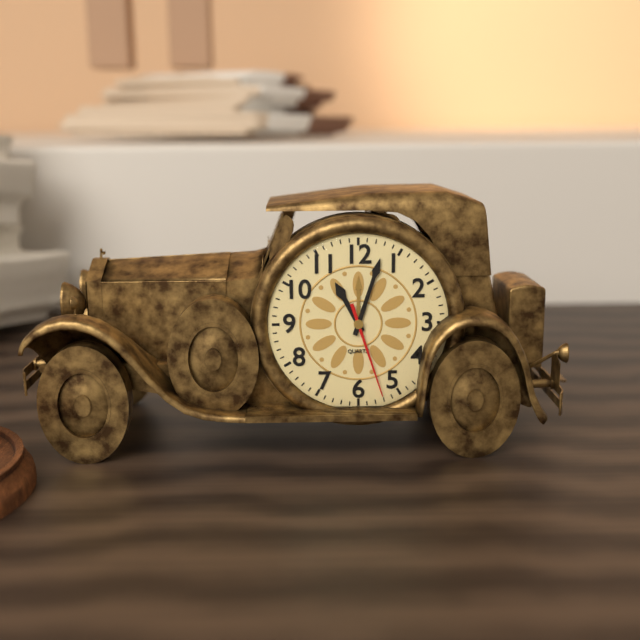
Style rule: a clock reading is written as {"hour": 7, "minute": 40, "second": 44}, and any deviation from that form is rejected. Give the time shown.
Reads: {"hour": 11, "minute": 3, "second": 27}
